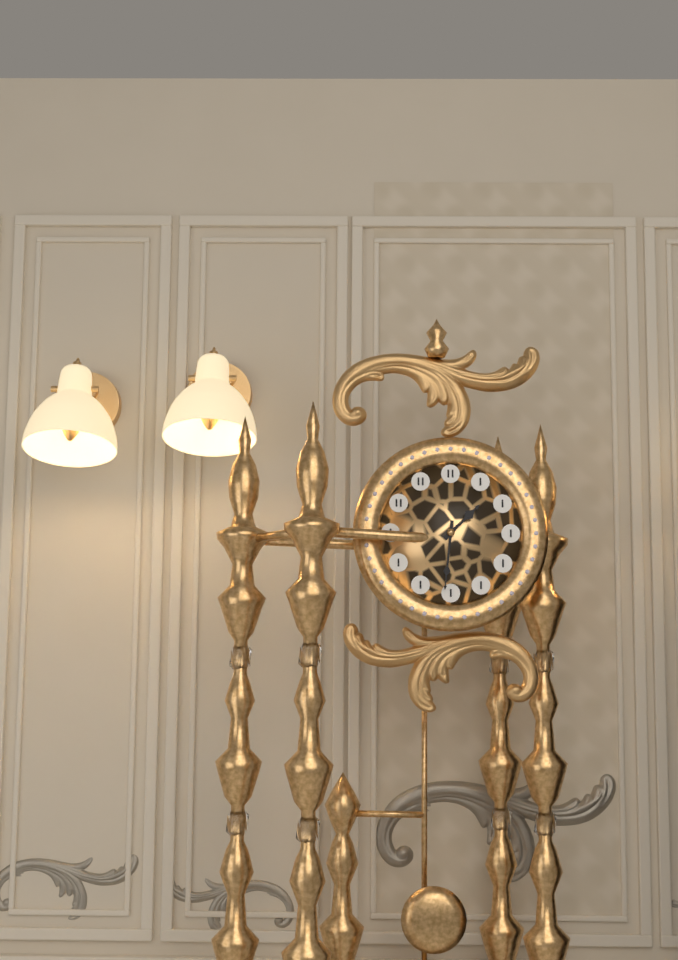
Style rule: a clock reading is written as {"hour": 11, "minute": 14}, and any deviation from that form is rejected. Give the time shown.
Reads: {"hour": 1, "minute": 31}
